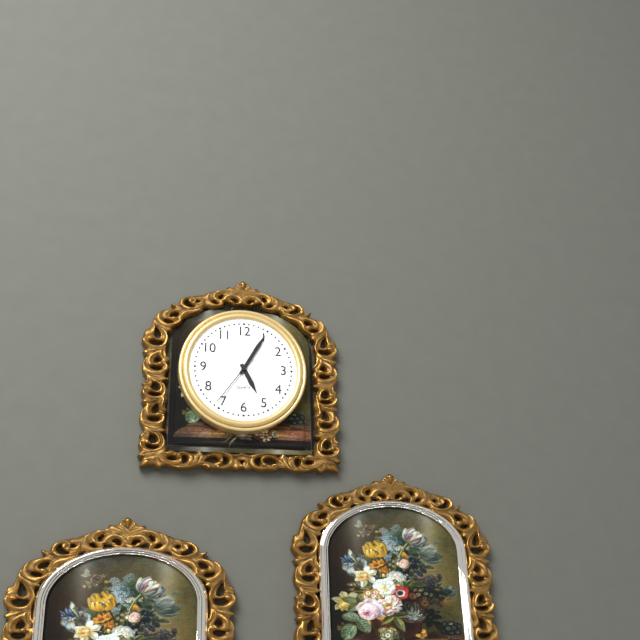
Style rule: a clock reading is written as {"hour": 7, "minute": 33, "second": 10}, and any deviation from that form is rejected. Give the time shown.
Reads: {"hour": 5, "minute": 5, "second": 36}
